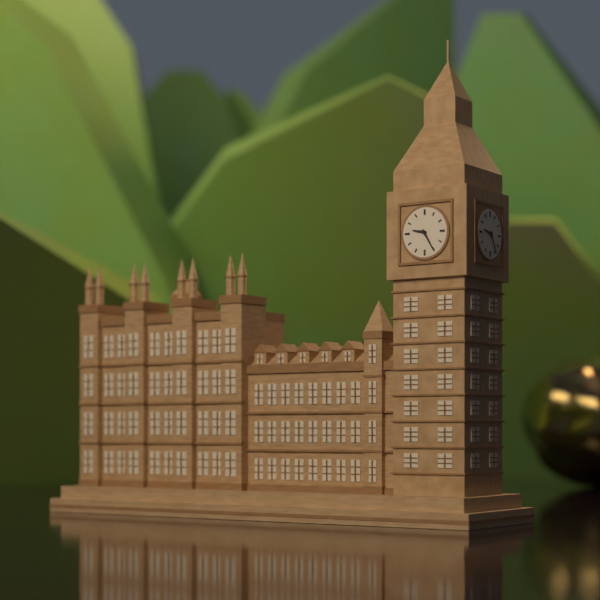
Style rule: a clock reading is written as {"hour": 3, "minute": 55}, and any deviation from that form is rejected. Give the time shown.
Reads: {"hour": 9, "minute": 25}
